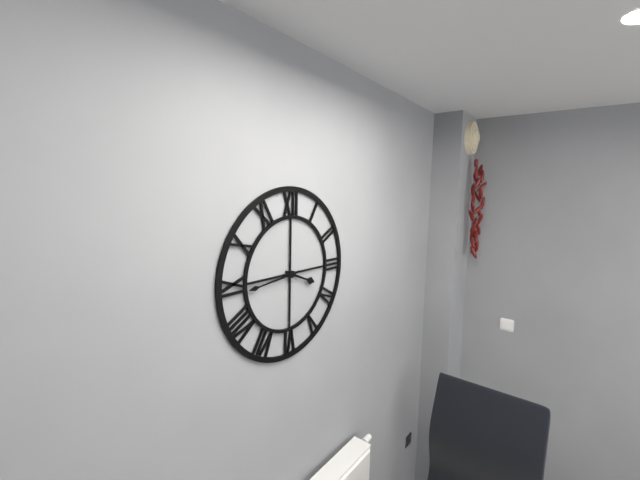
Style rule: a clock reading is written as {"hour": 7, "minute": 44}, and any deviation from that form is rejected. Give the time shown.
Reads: {"hour": 3, "minute": 44}
